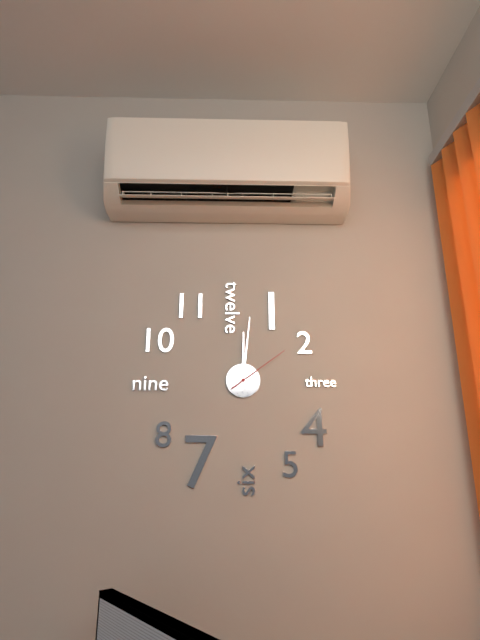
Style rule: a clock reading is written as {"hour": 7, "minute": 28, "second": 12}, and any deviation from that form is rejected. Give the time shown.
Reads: {"hour": 12, "minute": 1, "second": 9}
